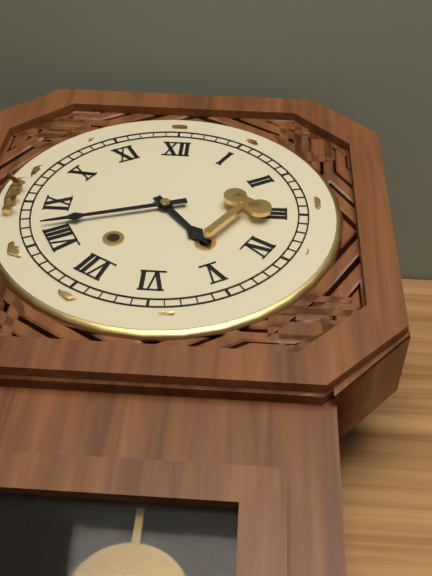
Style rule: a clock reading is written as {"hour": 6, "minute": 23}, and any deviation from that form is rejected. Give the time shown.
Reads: {"hour": 4, "minute": 42}
